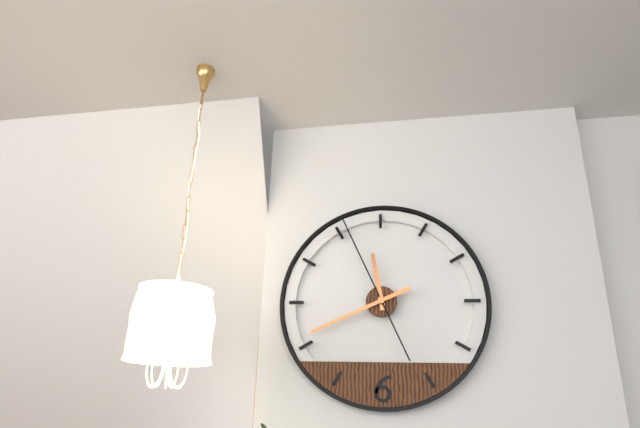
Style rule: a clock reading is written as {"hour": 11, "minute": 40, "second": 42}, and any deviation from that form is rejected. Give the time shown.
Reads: {"hour": 11, "minute": 41, "second": 56}
